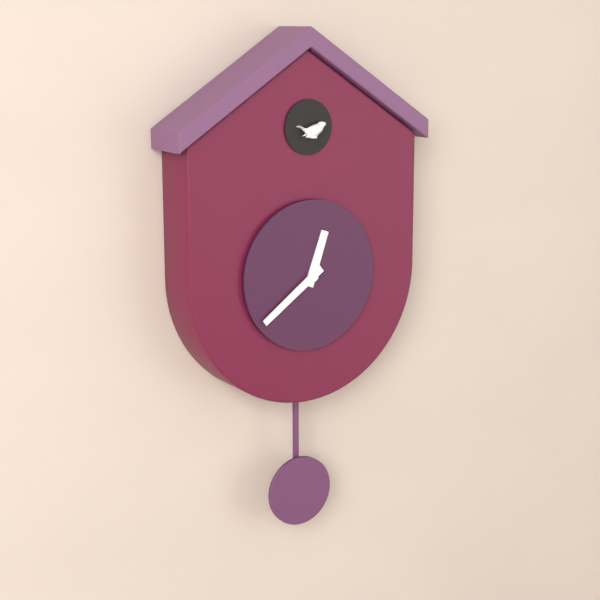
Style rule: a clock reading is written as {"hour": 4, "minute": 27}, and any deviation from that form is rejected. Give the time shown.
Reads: {"hour": 12, "minute": 39}
